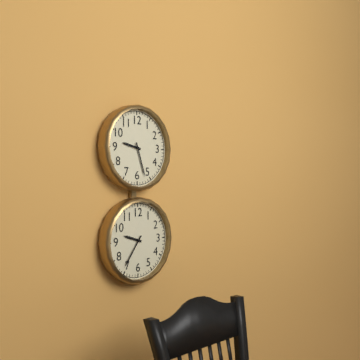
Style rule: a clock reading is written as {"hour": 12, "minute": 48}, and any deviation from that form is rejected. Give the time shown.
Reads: {"hour": 9, "minute": 27}
